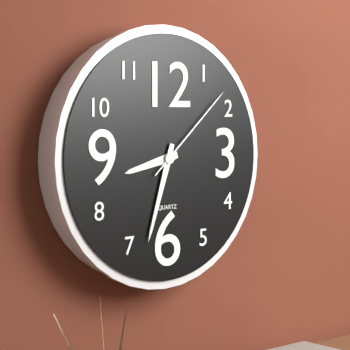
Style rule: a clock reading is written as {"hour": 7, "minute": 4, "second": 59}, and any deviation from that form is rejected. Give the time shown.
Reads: {"hour": 8, "minute": 33, "second": 8}
